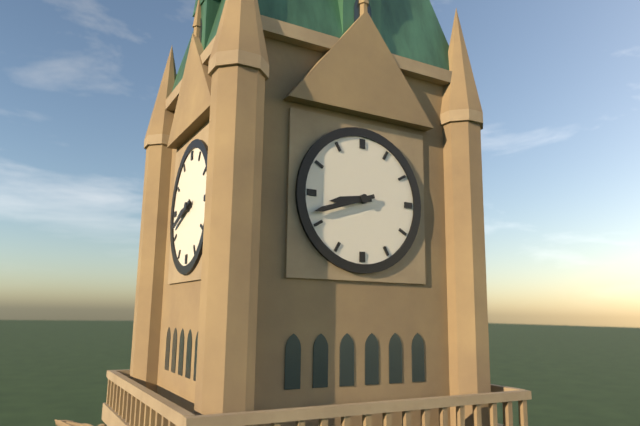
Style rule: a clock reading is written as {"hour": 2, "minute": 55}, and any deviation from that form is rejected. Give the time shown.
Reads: {"hour": 8, "minute": 42}
